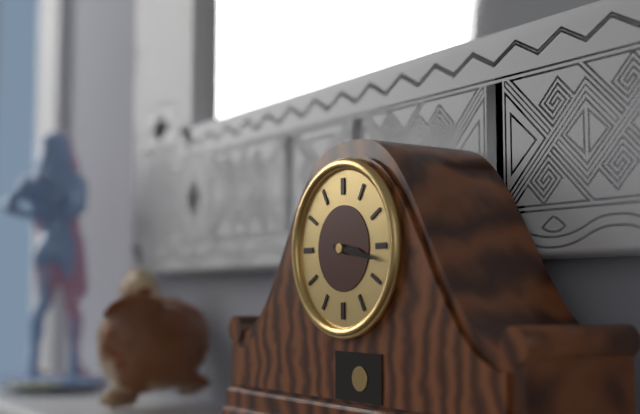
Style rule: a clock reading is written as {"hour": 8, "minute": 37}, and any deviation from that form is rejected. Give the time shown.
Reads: {"hour": 3, "minute": 17}
